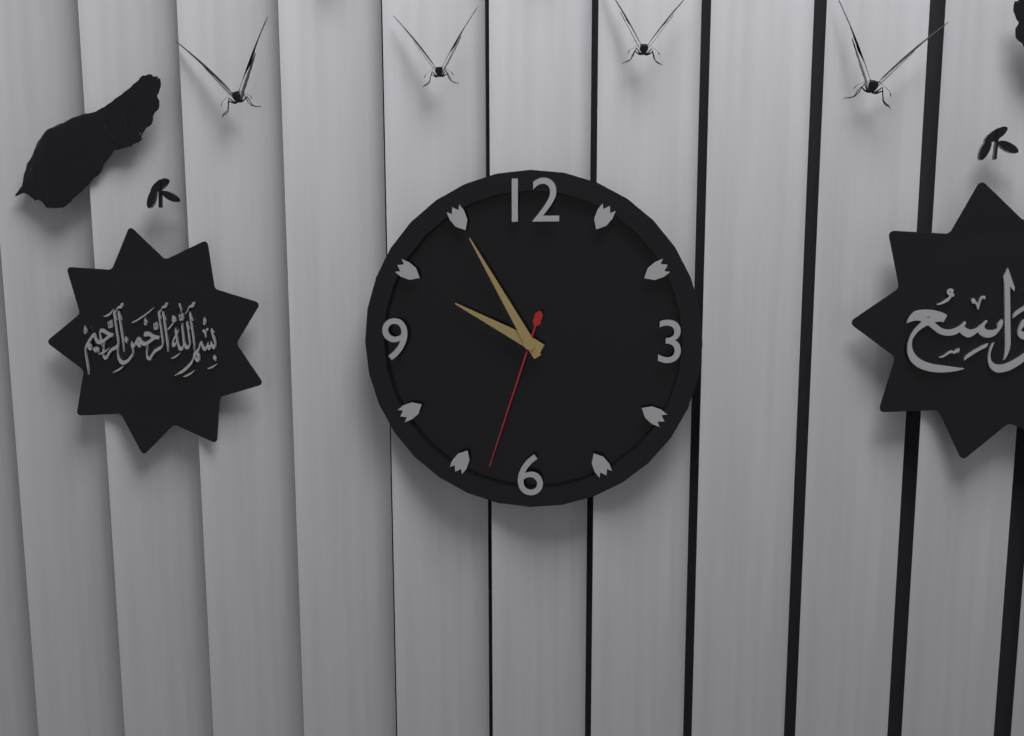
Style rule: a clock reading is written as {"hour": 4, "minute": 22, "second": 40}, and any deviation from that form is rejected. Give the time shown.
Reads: {"hour": 9, "minute": 55, "second": 33}
